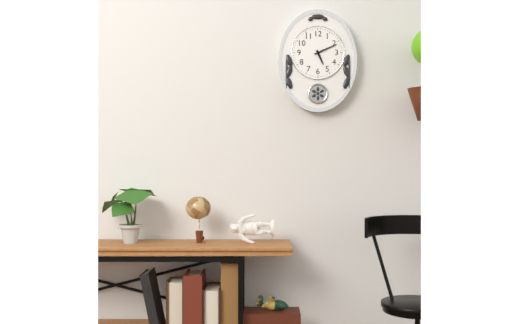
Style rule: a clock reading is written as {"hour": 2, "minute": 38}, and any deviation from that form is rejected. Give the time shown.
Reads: {"hour": 5, "minute": 11}
